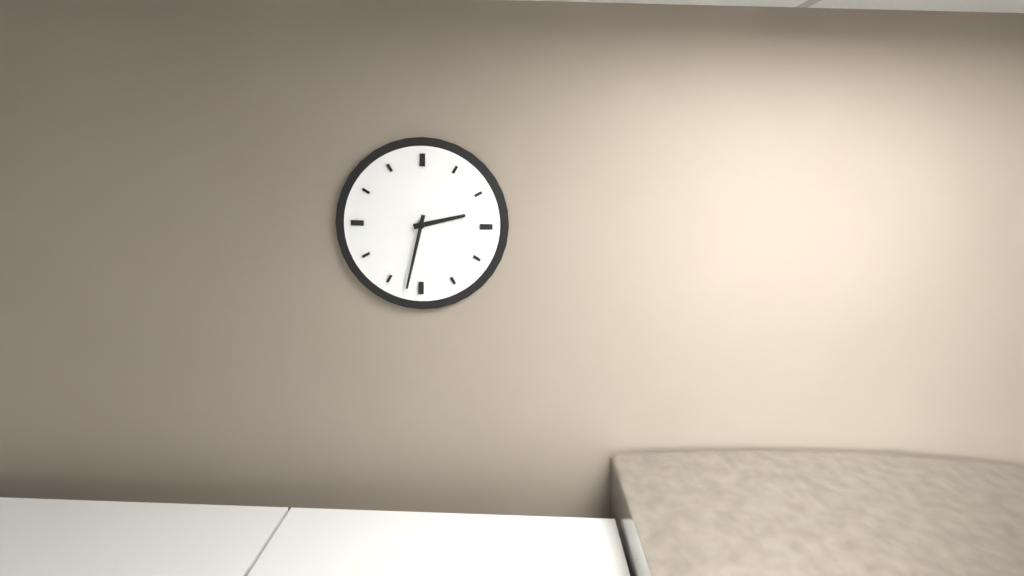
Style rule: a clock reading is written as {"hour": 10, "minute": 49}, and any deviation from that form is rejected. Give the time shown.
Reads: {"hour": 2, "minute": 32}
